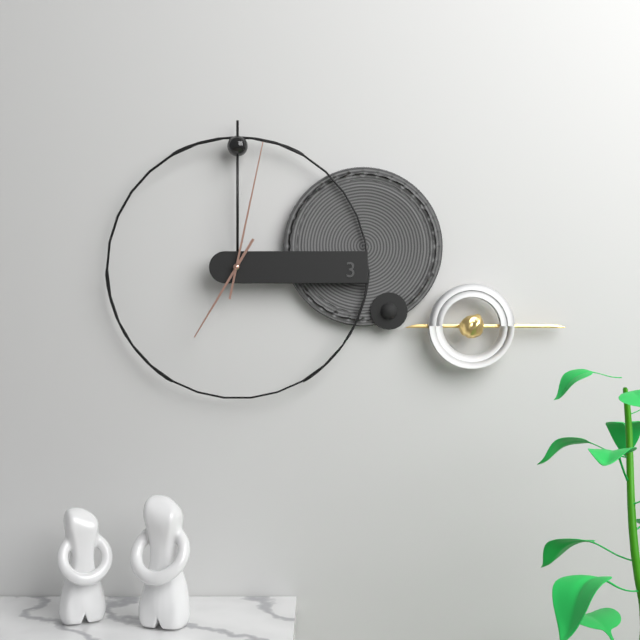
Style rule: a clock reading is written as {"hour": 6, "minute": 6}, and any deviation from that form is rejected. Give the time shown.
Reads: {"hour": 7, "minute": 2}
